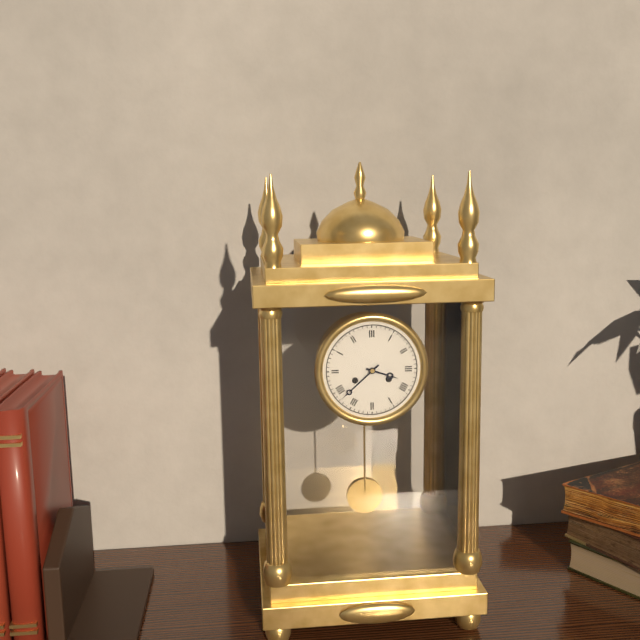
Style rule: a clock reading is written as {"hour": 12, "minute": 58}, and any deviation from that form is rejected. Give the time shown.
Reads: {"hour": 3, "minute": 38}
